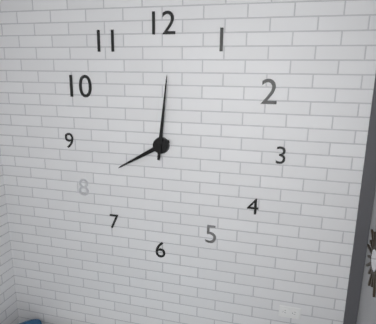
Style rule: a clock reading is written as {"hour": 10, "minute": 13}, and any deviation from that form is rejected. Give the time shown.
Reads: {"hour": 8, "minute": 1}
